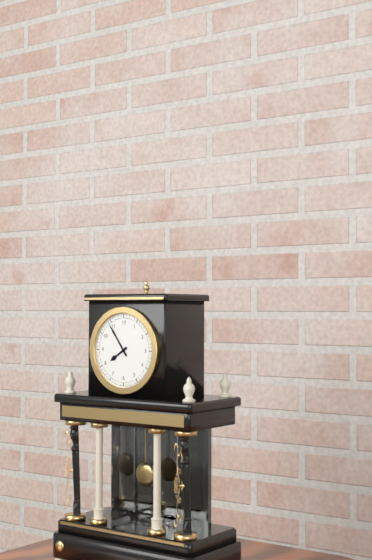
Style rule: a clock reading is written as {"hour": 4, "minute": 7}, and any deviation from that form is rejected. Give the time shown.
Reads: {"hour": 7, "minute": 54}
